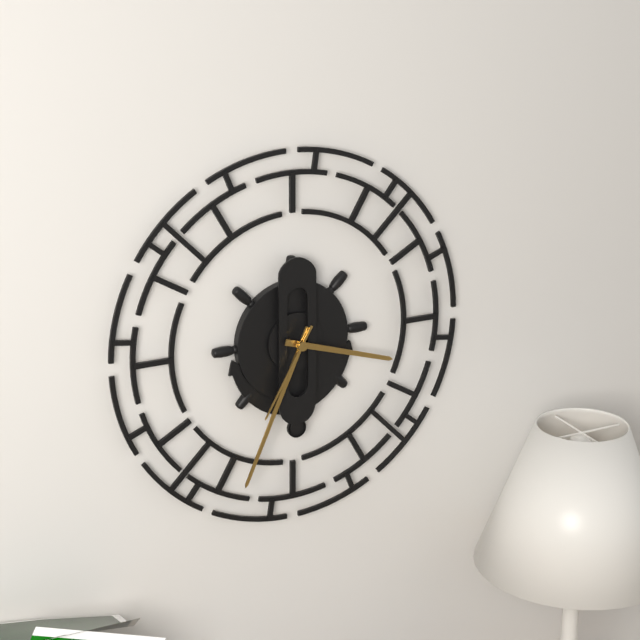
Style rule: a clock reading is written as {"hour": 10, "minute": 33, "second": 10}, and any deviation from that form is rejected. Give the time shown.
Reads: {"hour": 3, "minute": 34, "second": 35}
